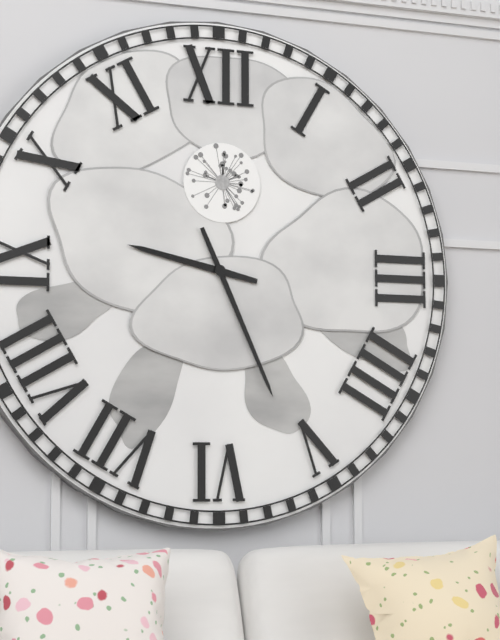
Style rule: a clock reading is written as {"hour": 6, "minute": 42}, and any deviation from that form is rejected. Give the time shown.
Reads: {"hour": 9, "minute": 26}
